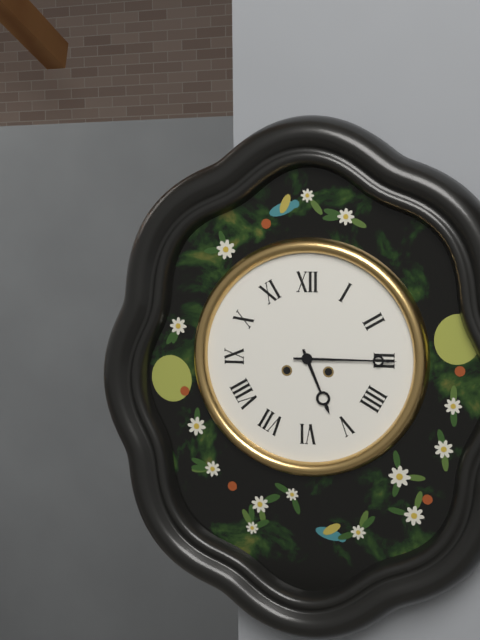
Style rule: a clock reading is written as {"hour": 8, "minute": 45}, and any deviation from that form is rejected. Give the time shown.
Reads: {"hour": 5, "minute": 15}
